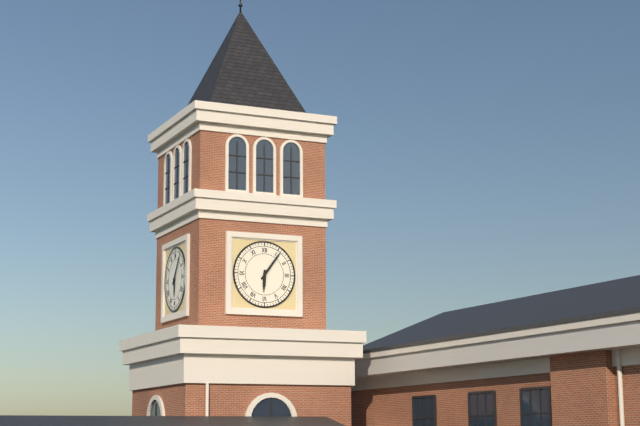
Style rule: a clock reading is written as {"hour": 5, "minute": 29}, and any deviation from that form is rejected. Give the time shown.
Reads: {"hour": 6, "minute": 6}
